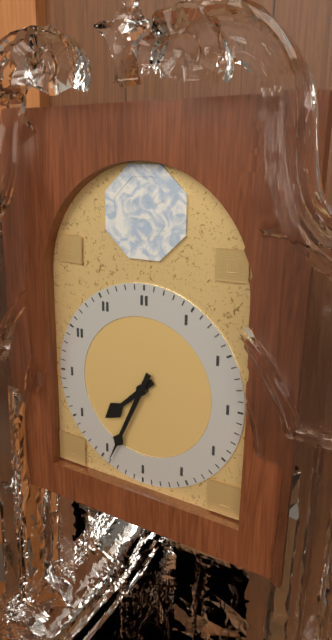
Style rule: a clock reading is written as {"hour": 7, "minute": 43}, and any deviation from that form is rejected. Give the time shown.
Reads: {"hour": 7, "minute": 34}
